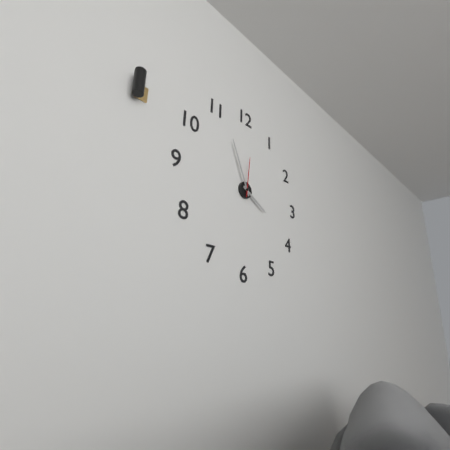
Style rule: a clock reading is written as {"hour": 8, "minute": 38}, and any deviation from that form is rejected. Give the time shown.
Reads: {"hour": 3, "minute": 56}
